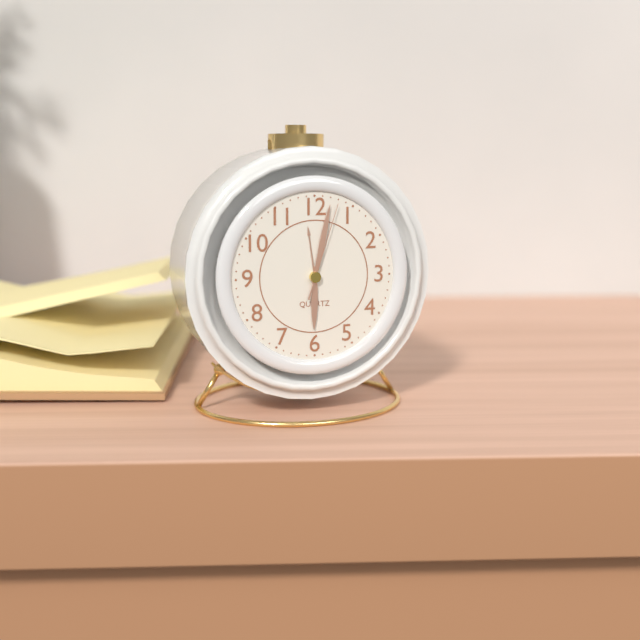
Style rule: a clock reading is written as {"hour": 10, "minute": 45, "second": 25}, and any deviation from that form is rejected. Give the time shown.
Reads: {"hour": 6, "minute": 2, "second": 3}
